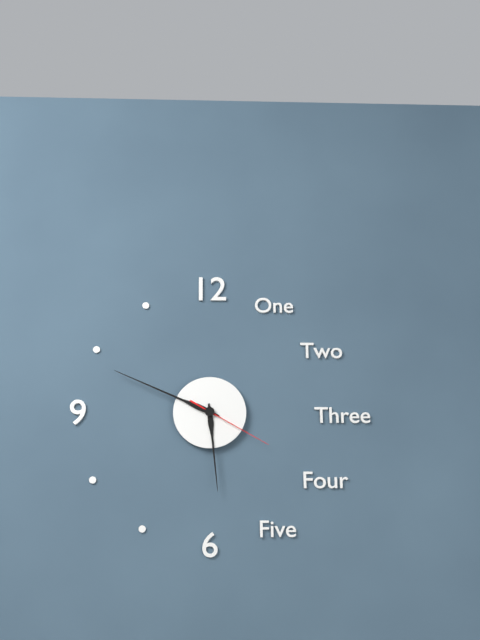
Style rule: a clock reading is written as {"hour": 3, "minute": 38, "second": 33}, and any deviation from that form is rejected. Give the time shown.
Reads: {"hour": 5, "minute": 49, "second": 20}
